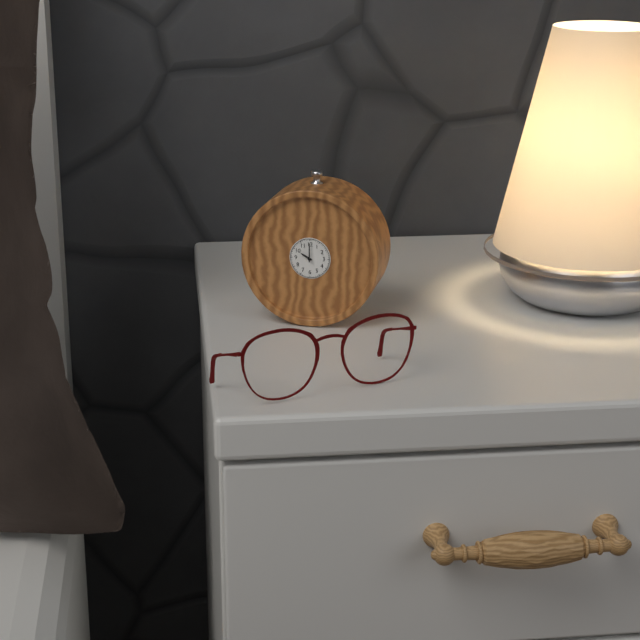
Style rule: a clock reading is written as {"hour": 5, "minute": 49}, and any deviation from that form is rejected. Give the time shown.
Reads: {"hour": 10, "minute": 0}
